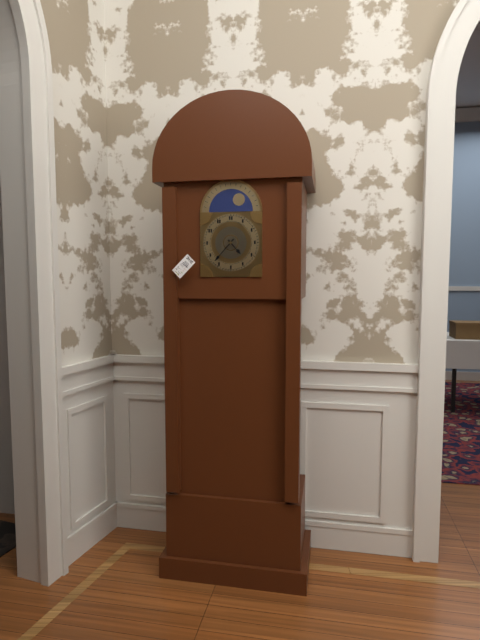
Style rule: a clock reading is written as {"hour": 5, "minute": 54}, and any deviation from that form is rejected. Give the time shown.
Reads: {"hour": 4, "minute": 37}
